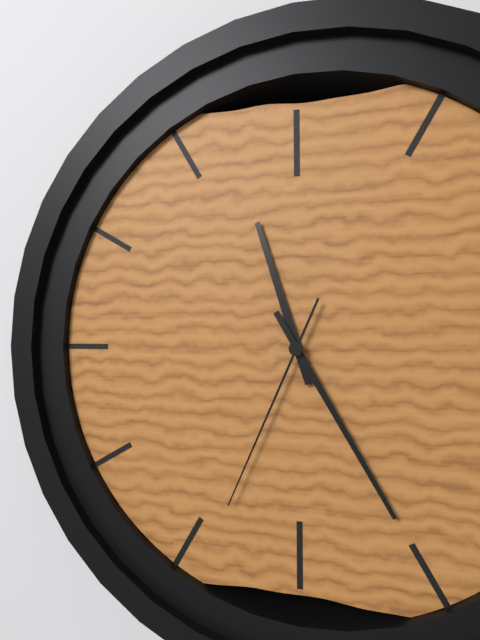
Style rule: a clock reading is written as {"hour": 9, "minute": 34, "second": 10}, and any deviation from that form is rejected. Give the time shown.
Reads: {"hour": 11, "minute": 25, "second": 34}
